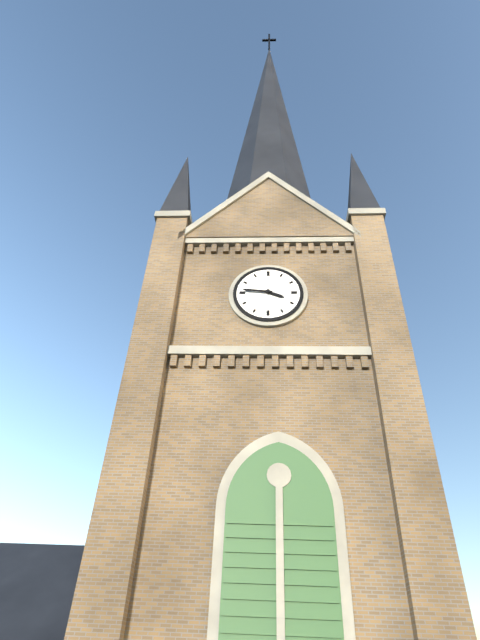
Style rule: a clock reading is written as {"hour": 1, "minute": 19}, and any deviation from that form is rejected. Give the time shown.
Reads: {"hour": 3, "minute": 46}
